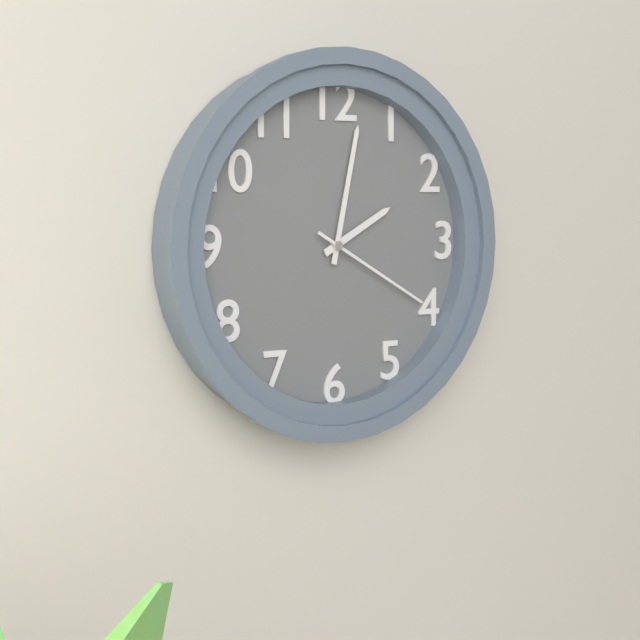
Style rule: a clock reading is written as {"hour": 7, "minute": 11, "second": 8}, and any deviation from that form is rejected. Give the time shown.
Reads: {"hour": 2, "minute": 2, "second": 20}
